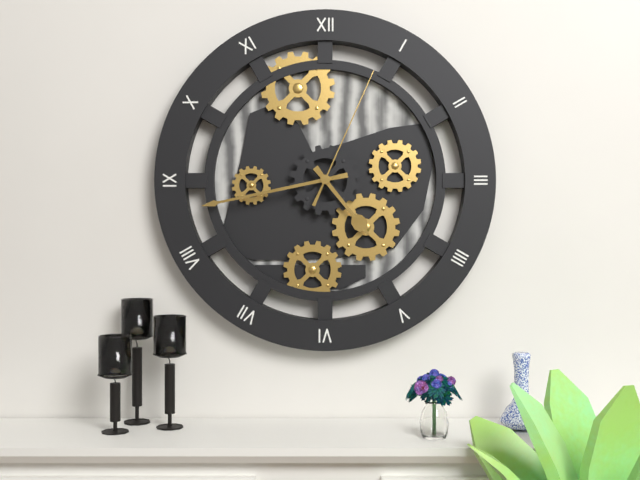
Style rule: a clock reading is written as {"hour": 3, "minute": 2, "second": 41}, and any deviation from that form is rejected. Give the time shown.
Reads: {"hour": 4, "minute": 43, "second": 4}
